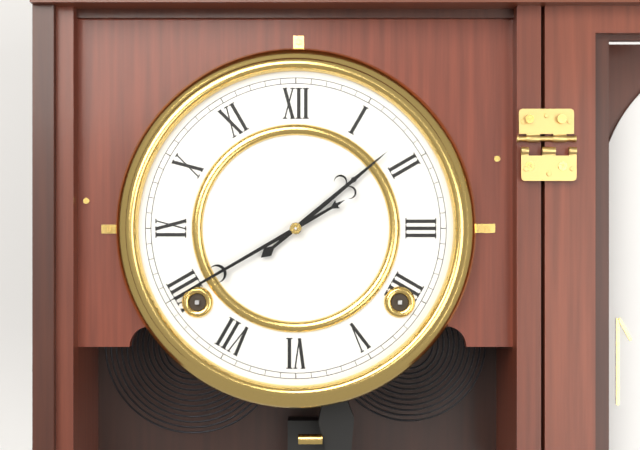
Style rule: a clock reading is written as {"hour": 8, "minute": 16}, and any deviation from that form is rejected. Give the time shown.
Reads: {"hour": 1, "minute": 40}
